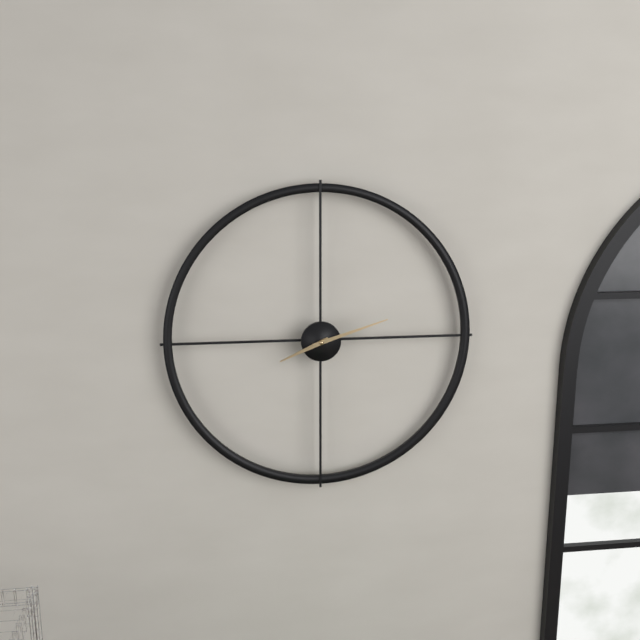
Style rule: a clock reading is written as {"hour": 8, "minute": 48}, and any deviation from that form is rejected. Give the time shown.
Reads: {"hour": 8, "minute": 12}
